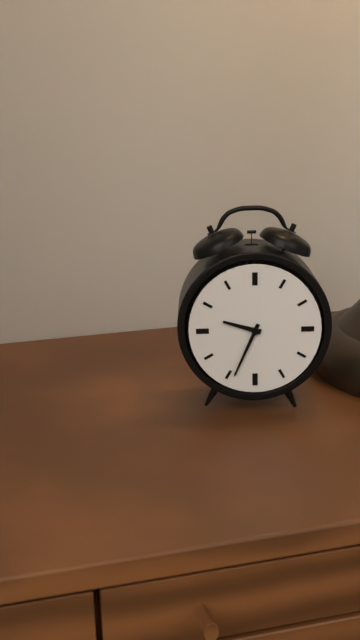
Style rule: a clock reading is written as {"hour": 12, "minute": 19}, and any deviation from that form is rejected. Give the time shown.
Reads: {"hour": 9, "minute": 34}
